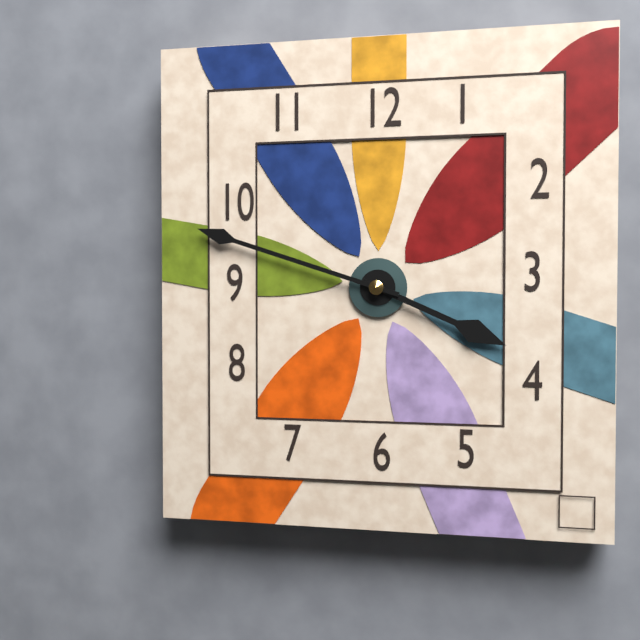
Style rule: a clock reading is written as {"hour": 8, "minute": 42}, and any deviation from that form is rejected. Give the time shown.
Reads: {"hour": 3, "minute": 48}
